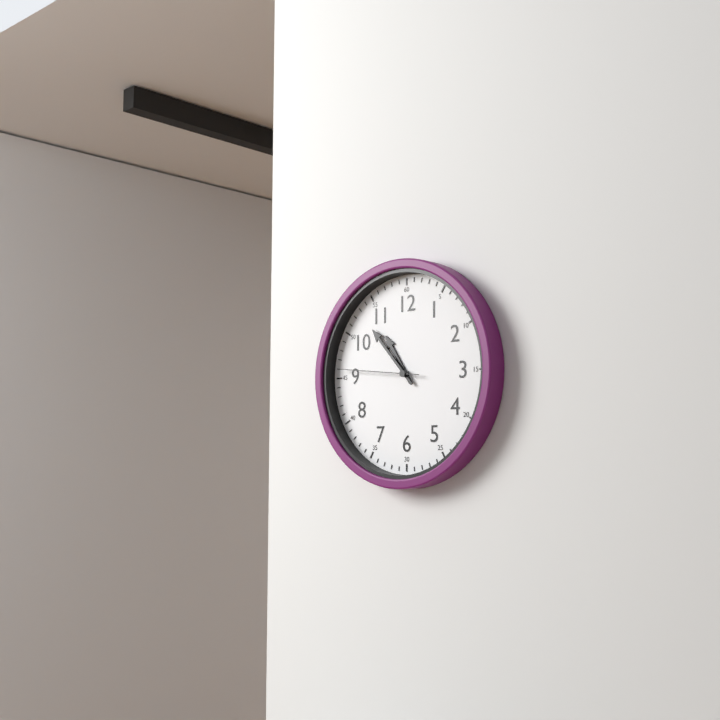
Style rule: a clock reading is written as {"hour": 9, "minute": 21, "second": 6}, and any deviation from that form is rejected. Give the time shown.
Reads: {"hour": 10, "minute": 53, "second": 46}
